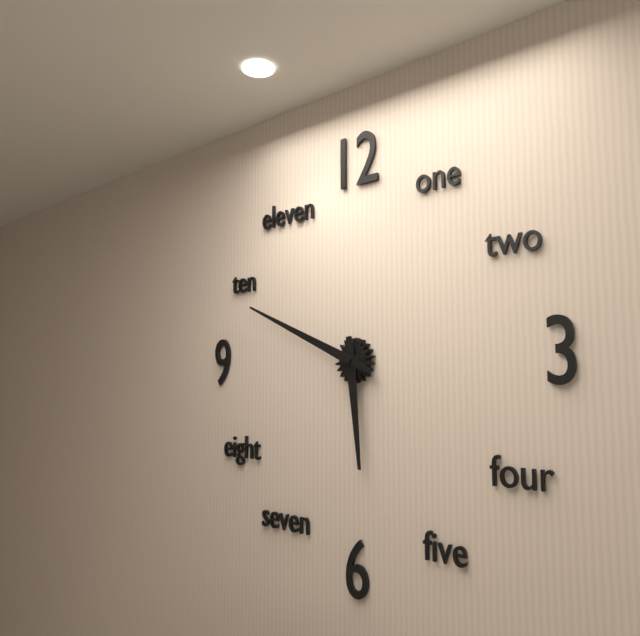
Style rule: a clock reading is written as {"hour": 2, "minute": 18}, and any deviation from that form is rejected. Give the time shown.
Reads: {"hour": 5, "minute": 49}
